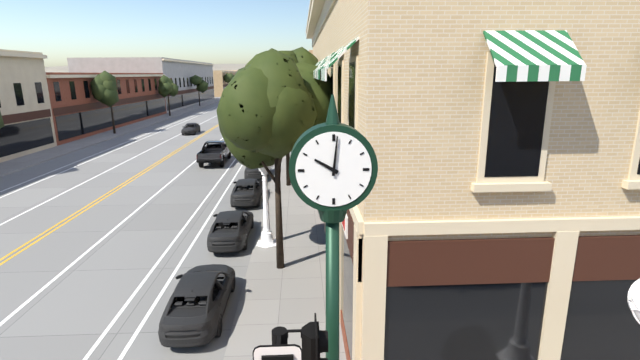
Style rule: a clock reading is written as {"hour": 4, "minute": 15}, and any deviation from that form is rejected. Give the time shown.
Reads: {"hour": 10, "minute": 1}
